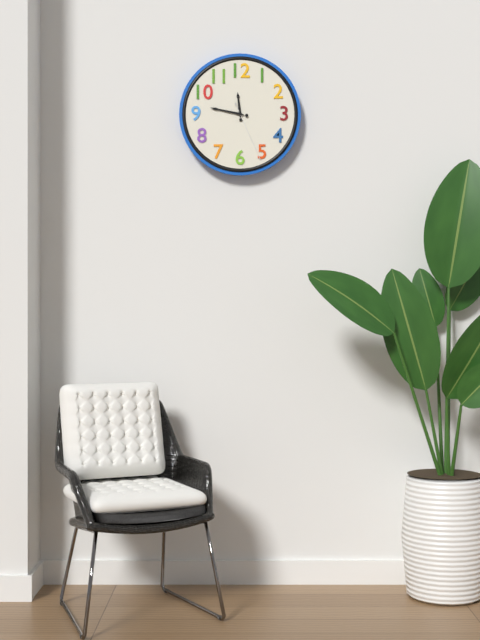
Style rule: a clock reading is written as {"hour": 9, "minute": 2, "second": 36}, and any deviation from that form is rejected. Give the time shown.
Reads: {"hour": 11, "minute": 47, "second": 26}
